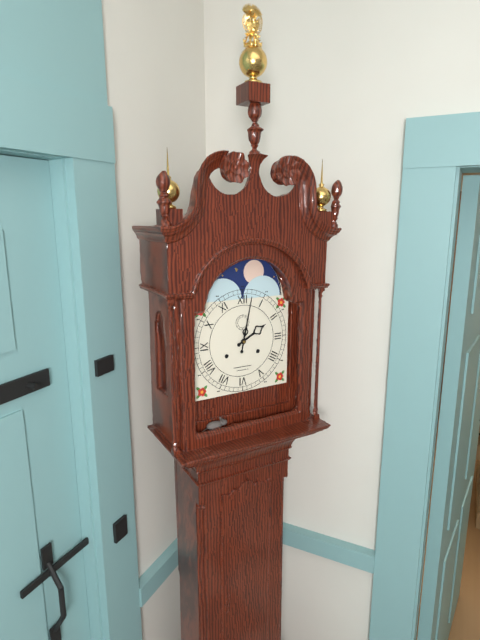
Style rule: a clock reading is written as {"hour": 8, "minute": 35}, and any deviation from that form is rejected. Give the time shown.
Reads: {"hour": 2, "minute": 2}
